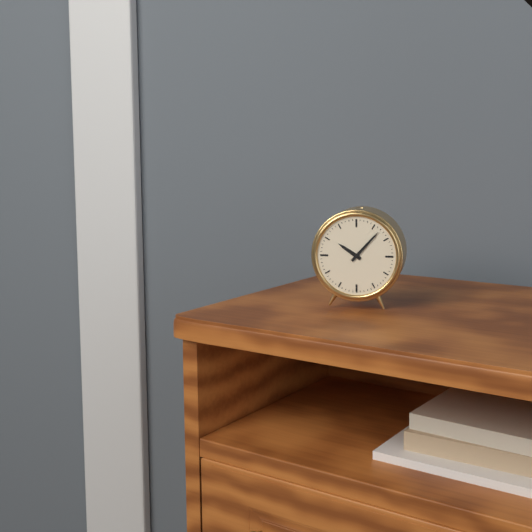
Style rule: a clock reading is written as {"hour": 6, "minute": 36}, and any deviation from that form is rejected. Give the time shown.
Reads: {"hour": 10, "minute": 7}
